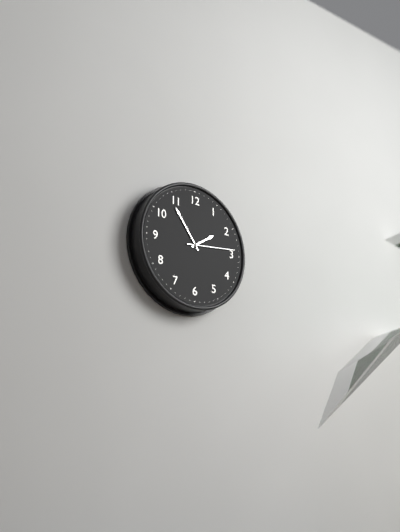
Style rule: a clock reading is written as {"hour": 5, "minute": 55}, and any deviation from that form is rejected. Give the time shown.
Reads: {"hour": 1, "minute": 54}
